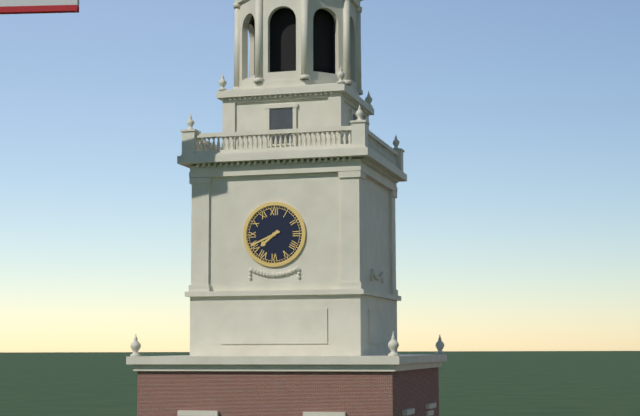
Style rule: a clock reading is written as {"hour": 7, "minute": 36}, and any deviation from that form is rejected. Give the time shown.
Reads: {"hour": 7, "minute": 41}
